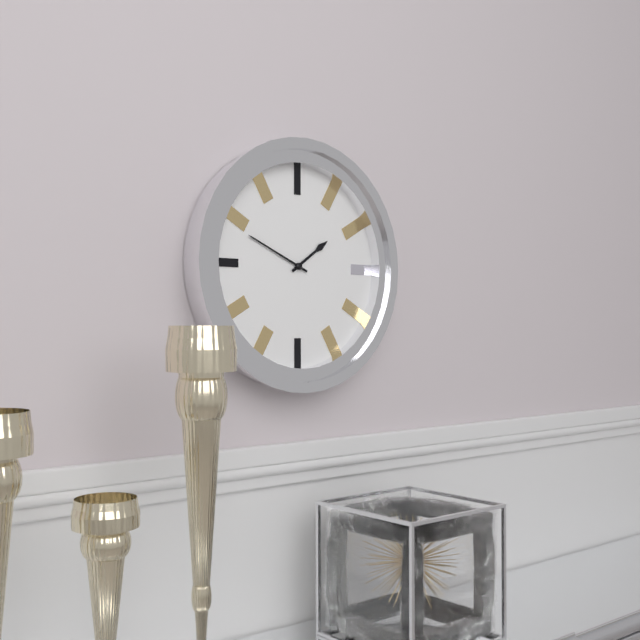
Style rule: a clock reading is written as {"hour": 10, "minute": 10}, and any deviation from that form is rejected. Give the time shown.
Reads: {"hour": 1, "minute": 49}
